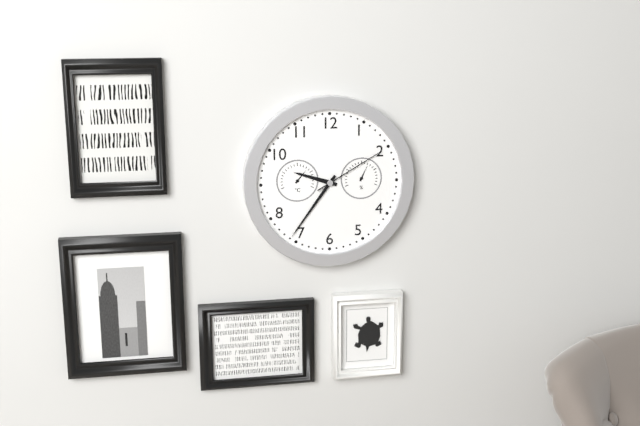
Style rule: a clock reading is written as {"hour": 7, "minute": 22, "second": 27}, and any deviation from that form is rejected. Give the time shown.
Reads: {"hour": 9, "minute": 36, "second": 10}
